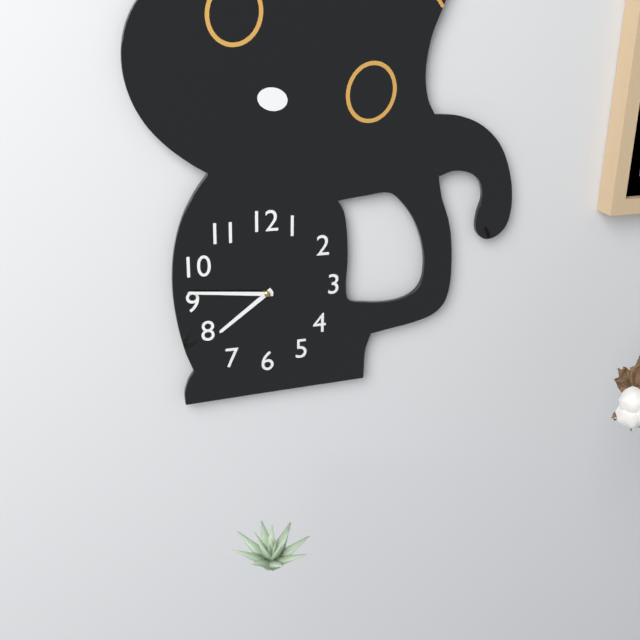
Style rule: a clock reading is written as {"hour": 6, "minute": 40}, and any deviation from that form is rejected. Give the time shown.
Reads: {"hour": 7, "minute": 46}
